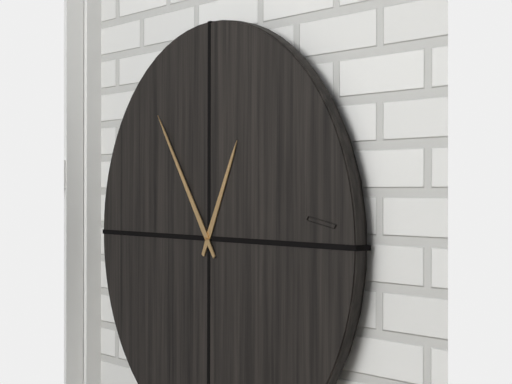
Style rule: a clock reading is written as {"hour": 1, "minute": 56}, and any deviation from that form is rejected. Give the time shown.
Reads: {"hour": 12, "minute": 54}
